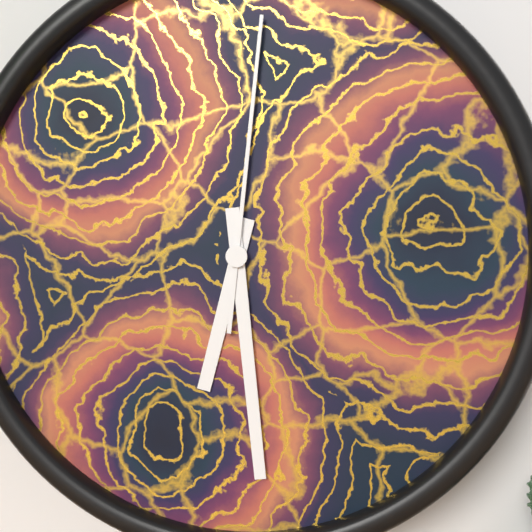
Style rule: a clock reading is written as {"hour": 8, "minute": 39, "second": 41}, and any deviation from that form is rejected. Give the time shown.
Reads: {"hour": 6, "minute": 29, "second": 1}
